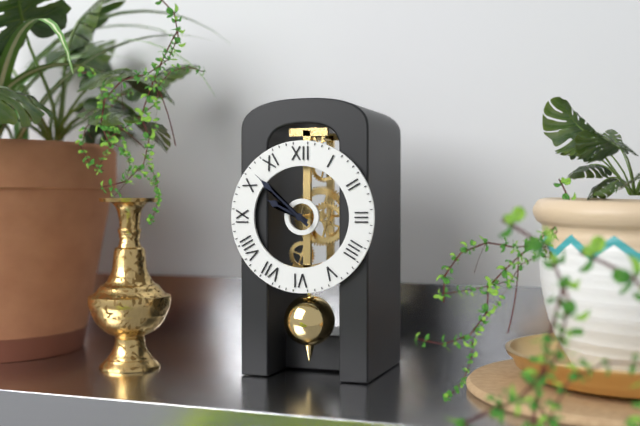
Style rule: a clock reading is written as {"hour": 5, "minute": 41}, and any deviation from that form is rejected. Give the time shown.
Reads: {"hour": 9, "minute": 52}
